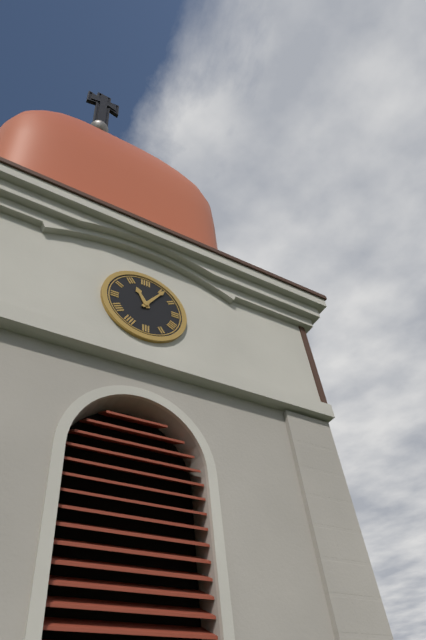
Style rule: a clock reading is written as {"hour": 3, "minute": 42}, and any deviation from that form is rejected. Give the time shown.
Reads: {"hour": 11, "minute": 6}
